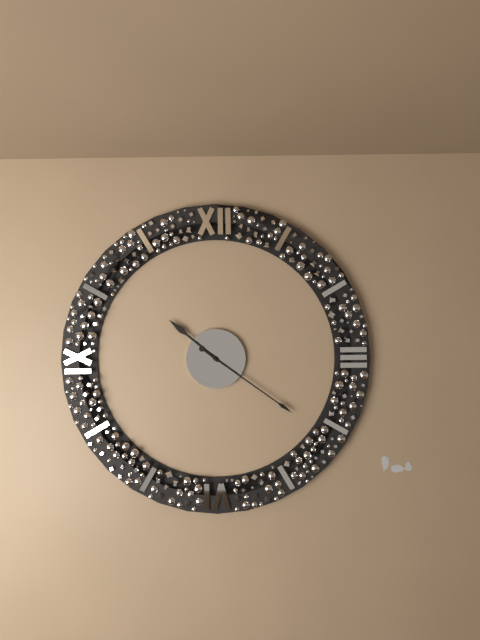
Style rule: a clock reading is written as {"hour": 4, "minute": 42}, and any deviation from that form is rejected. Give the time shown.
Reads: {"hour": 10, "minute": 21}
